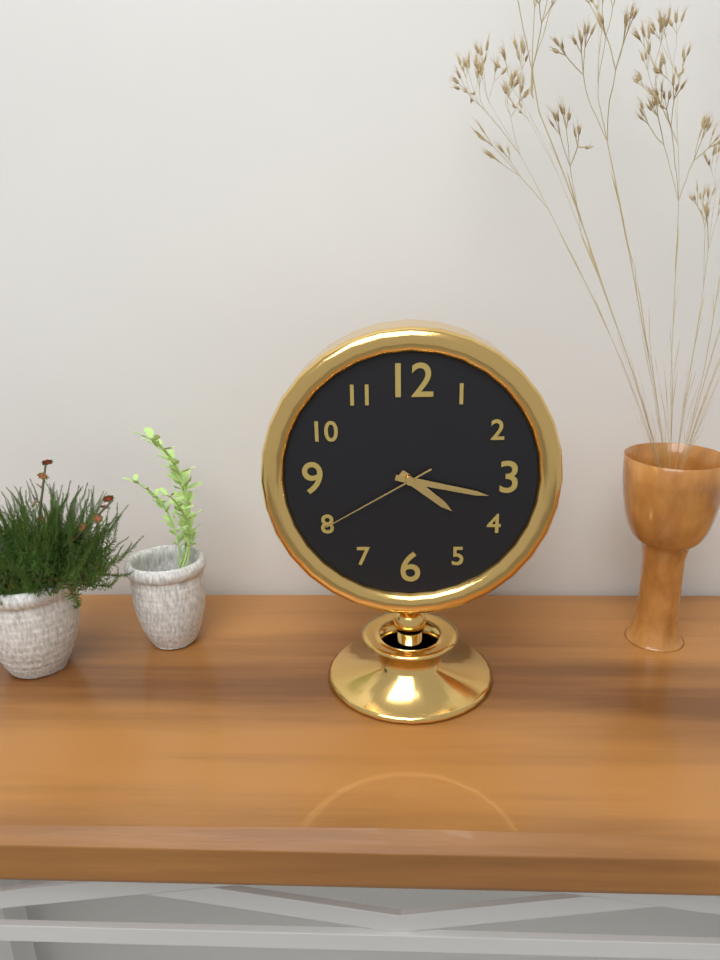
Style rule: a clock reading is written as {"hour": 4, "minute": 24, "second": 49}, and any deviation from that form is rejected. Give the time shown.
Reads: {"hour": 4, "minute": 17, "second": 40}
